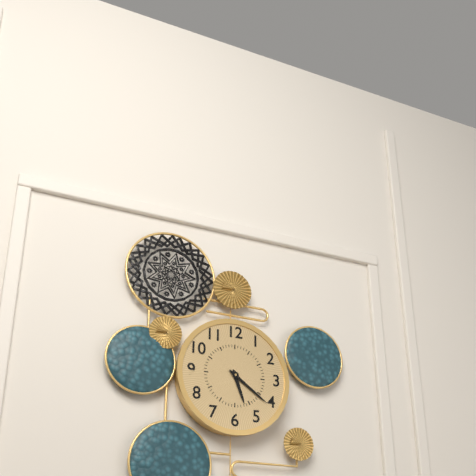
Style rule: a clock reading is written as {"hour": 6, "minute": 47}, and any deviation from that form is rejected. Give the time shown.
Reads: {"hour": 5, "minute": 21}
